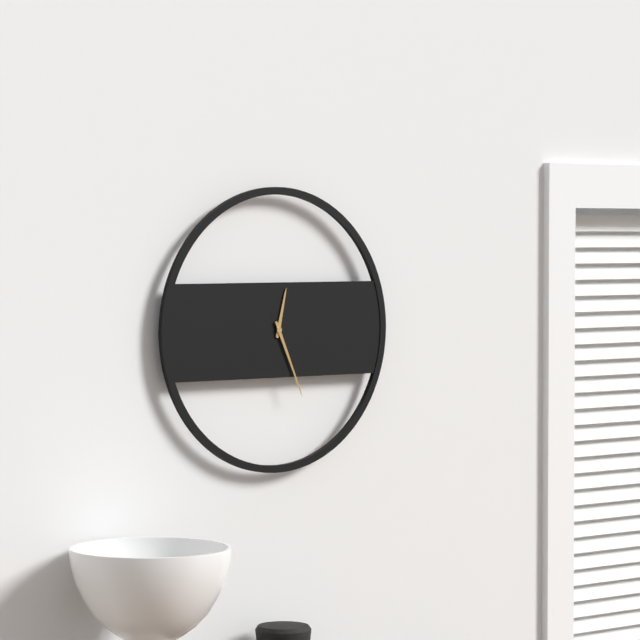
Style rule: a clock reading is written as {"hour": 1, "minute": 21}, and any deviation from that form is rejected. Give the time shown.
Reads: {"hour": 12, "minute": 26}
